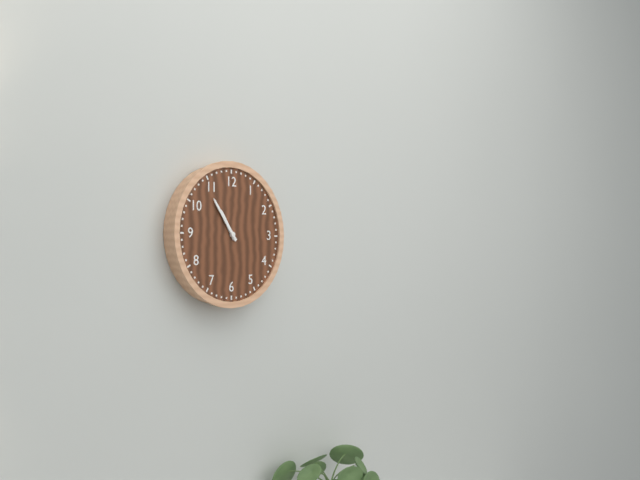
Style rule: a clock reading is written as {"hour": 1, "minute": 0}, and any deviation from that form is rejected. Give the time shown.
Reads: {"hour": 10, "minute": 54}
